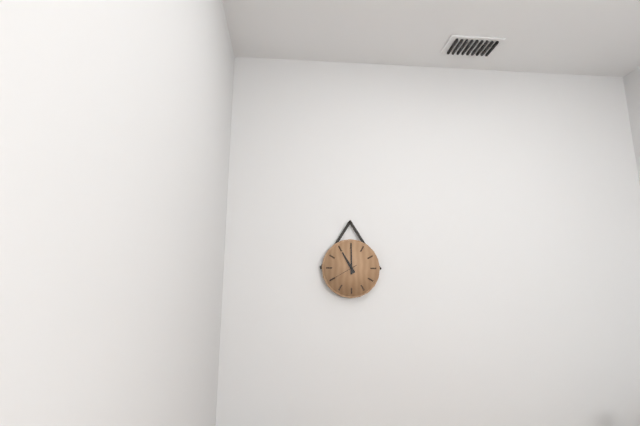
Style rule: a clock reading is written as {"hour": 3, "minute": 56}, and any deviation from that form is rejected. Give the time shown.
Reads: {"hour": 11, "minute": 0}
